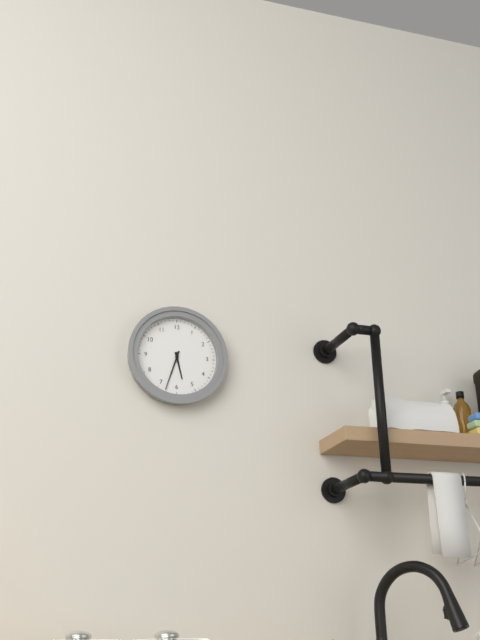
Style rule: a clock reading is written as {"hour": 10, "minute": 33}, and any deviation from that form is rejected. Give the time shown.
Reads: {"hour": 5, "minute": 33}
